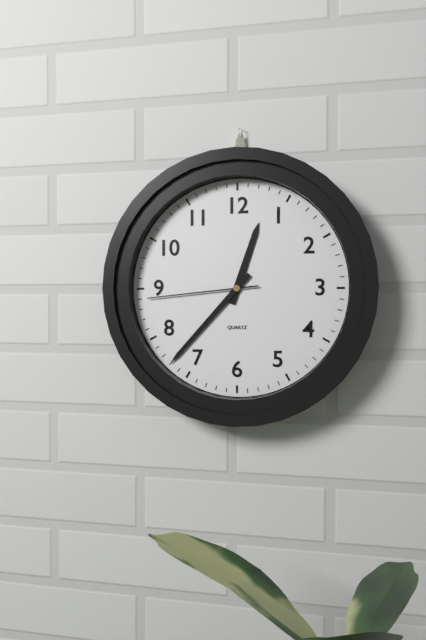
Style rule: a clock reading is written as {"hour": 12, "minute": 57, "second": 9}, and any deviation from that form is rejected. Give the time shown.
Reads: {"hour": 12, "minute": 37, "second": 44}
